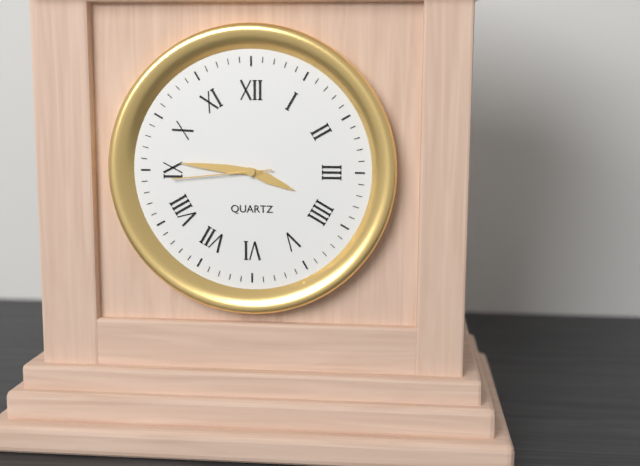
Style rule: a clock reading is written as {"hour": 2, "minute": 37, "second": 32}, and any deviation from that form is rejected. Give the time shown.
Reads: {"hour": 3, "minute": 46, "second": 44}
